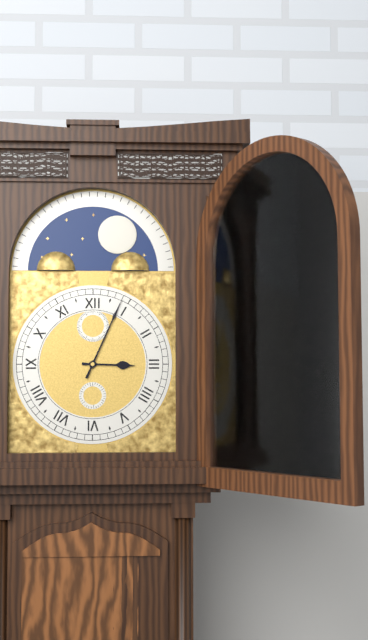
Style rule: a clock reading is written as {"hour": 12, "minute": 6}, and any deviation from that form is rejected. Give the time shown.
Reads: {"hour": 3, "minute": 4}
